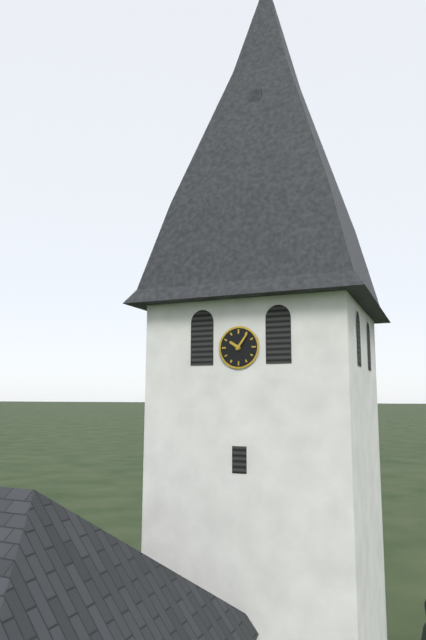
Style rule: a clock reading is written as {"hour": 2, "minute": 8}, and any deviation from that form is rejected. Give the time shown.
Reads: {"hour": 10, "minute": 6}
